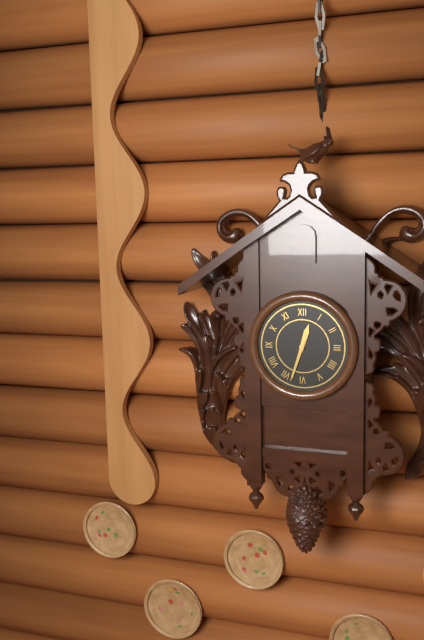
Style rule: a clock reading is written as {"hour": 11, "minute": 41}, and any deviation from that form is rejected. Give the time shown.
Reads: {"hour": 12, "minute": 33}
